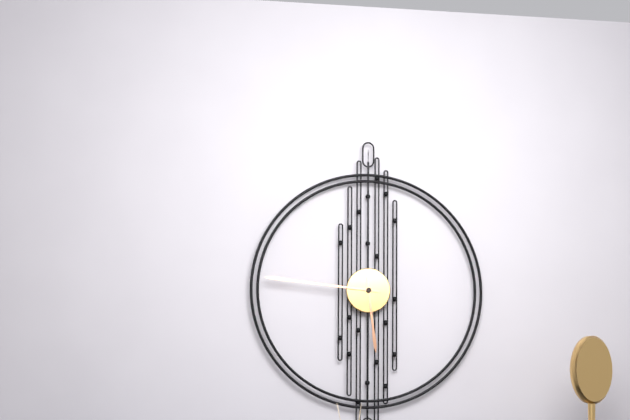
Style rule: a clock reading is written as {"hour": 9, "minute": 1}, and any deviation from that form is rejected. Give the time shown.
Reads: {"hour": 5, "minute": 46}
